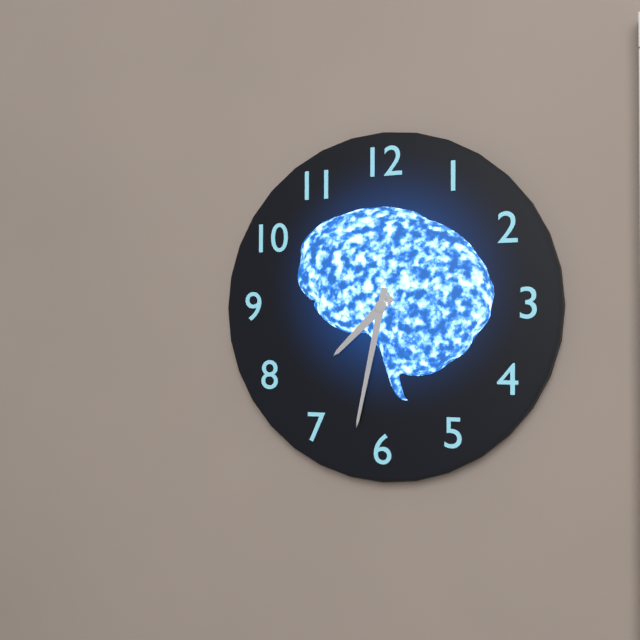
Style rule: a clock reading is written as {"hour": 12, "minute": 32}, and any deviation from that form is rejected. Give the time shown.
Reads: {"hour": 7, "minute": 32}
